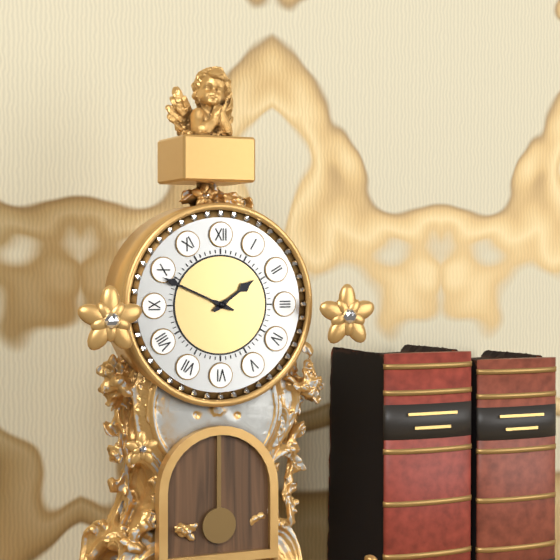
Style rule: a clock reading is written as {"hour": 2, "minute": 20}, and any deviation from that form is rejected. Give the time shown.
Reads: {"hour": 1, "minute": 49}
